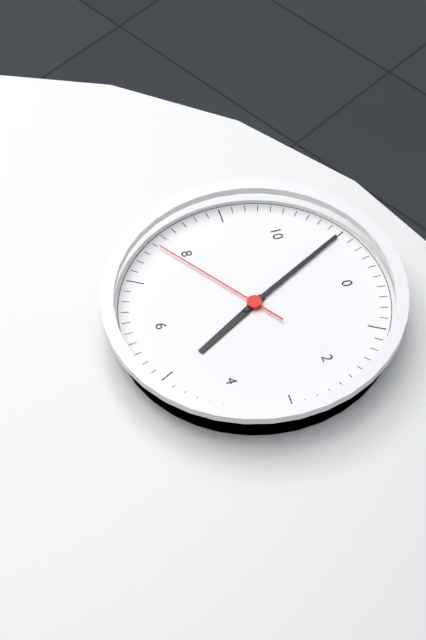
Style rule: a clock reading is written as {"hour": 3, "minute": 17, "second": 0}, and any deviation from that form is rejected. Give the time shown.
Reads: {"hour": 4, "minute": 55, "second": 39}
